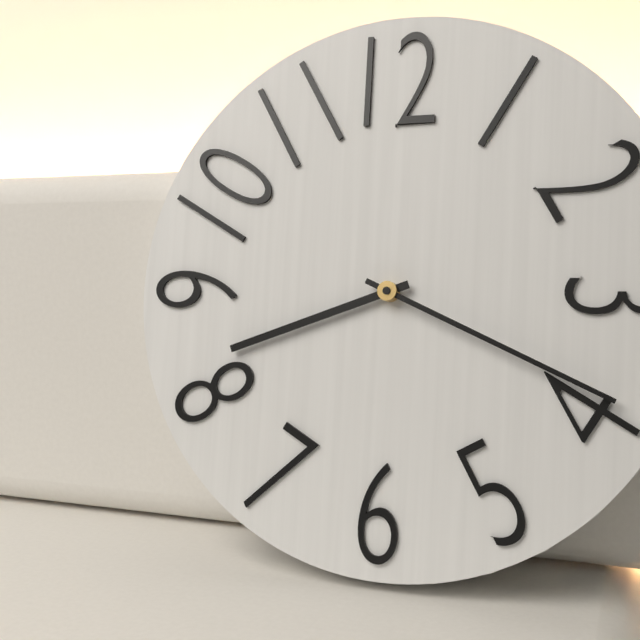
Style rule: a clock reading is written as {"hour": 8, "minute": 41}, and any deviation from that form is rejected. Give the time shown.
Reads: {"hour": 8, "minute": 19}
